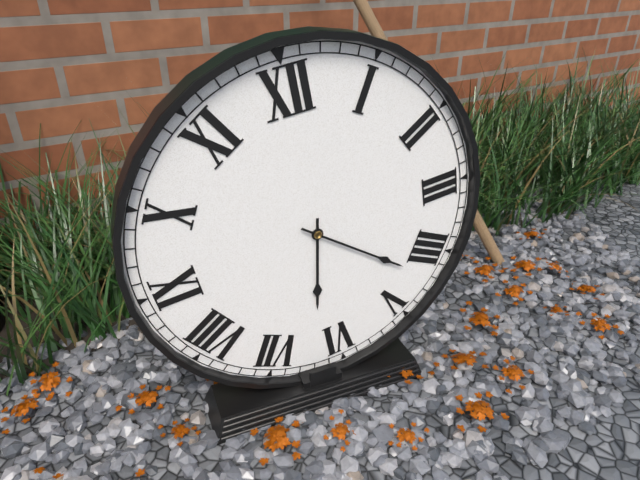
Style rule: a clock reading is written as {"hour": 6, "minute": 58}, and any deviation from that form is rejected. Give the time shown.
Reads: {"hour": 6, "minute": 22}
